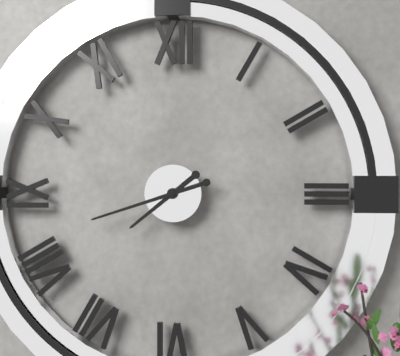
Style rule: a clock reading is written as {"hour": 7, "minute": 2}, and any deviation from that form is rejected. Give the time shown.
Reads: {"hour": 7, "minute": 42}
